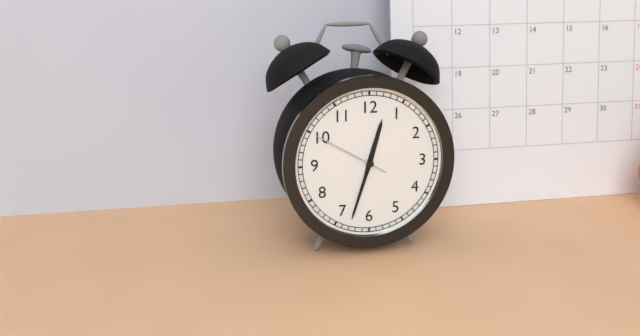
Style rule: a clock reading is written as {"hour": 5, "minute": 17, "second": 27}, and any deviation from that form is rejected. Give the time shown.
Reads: {"hour": 12, "minute": 33, "second": 50}
